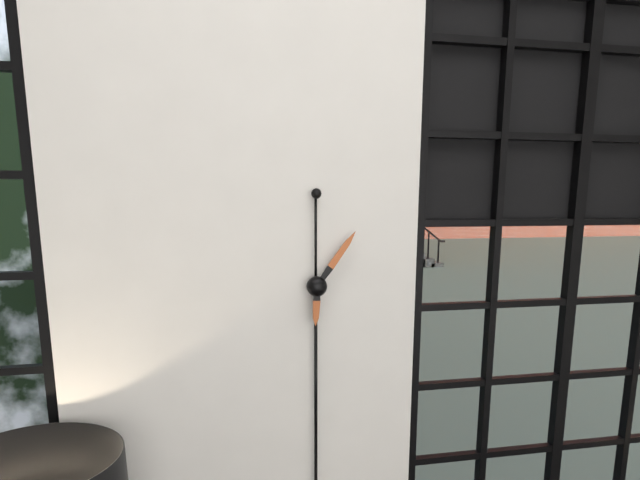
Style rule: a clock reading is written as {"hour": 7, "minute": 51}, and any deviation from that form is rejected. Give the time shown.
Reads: {"hour": 6, "minute": 6}
